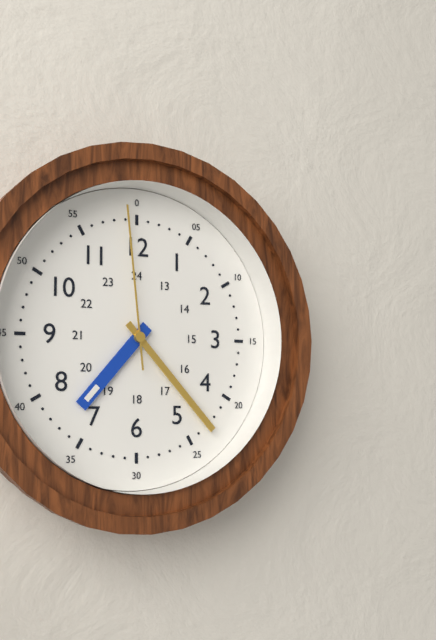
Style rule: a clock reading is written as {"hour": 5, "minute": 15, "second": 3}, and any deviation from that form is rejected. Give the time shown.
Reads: {"hour": 7, "minute": 23, "second": 59}
